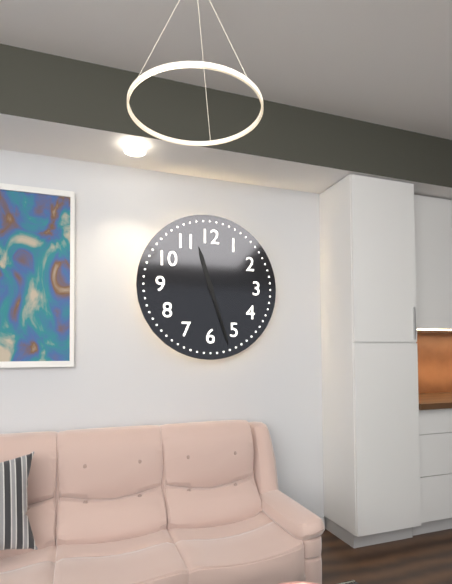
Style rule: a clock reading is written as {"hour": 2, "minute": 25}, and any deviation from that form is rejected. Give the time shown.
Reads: {"hour": 11, "minute": 27}
